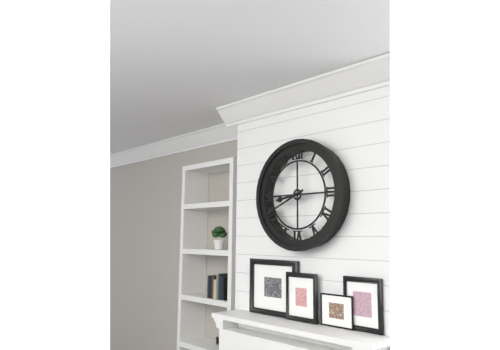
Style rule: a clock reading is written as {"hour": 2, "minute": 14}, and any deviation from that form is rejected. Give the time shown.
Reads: {"hour": 8, "minute": 41}
